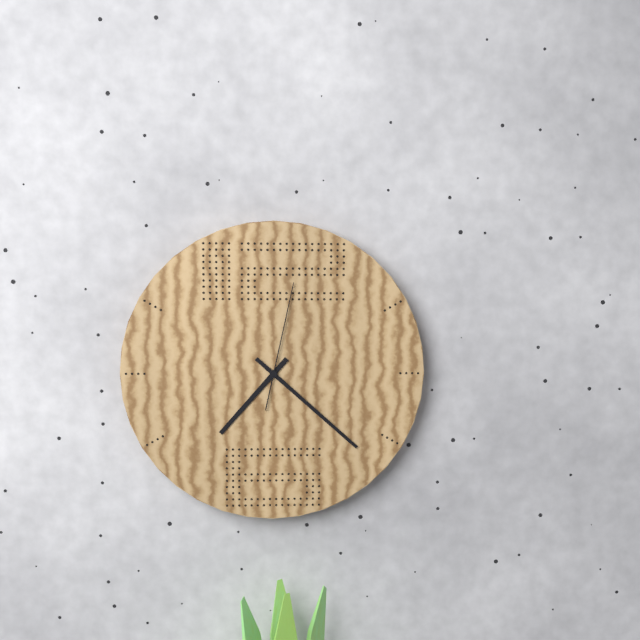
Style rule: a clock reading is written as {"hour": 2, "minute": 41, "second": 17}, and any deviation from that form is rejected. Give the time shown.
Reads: {"hour": 7, "minute": 22, "second": 2}
